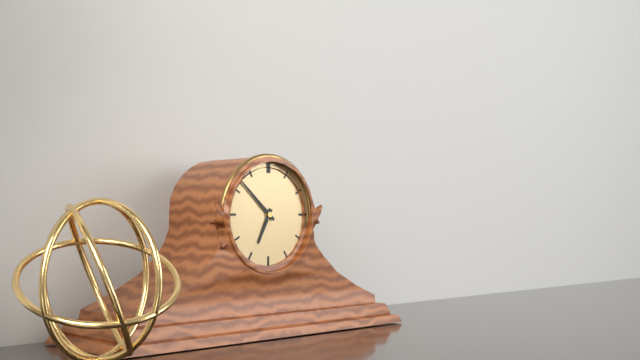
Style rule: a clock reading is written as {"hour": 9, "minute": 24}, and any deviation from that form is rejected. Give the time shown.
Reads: {"hour": 6, "minute": 52}
